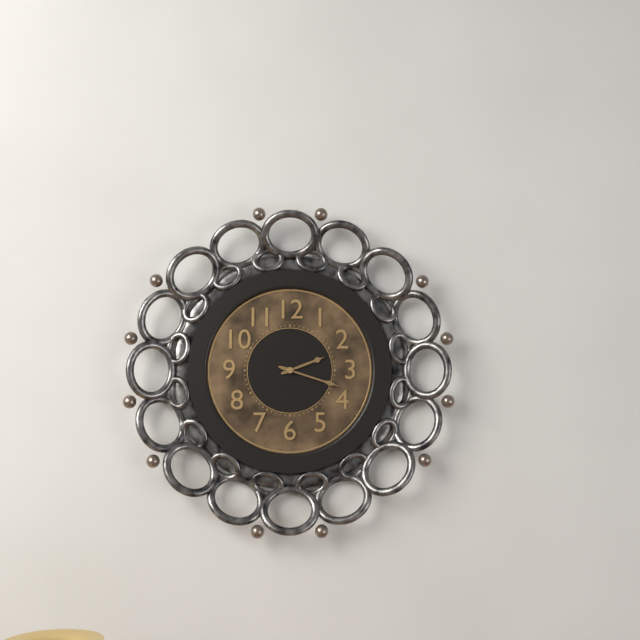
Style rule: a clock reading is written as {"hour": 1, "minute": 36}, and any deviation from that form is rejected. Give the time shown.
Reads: {"hour": 2, "minute": 18}
